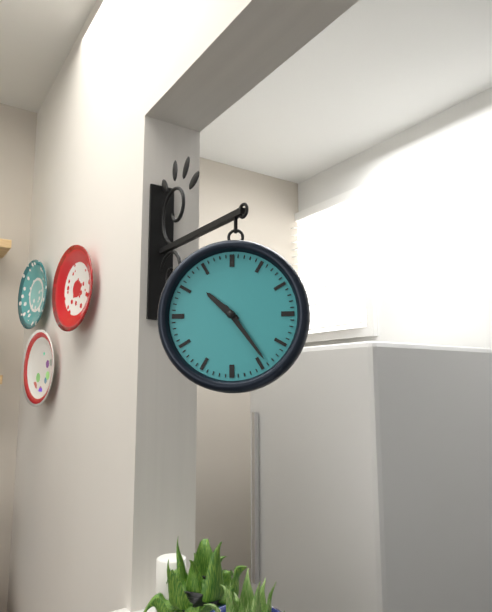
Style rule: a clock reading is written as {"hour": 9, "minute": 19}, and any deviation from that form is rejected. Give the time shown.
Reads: {"hour": 10, "minute": 24}
